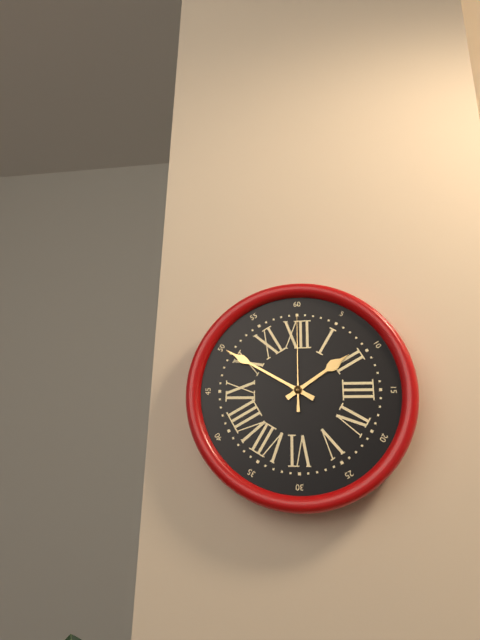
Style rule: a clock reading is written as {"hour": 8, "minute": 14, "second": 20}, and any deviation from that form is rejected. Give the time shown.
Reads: {"hour": 1, "minute": 50, "second": 0}
